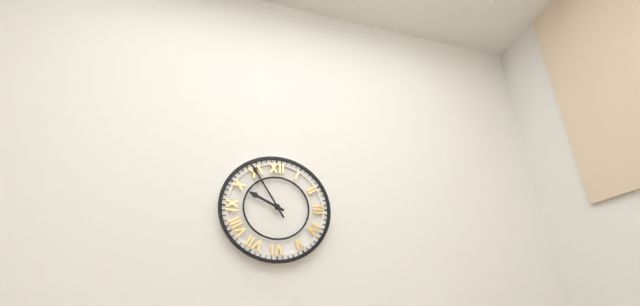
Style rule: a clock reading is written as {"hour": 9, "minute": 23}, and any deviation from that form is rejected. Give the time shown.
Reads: {"hour": 9, "minute": 55}
